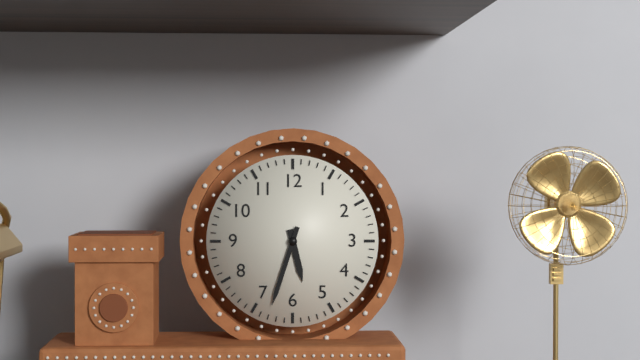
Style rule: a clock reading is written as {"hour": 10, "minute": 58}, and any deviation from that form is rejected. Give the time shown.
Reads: {"hour": 5, "minute": 33}
